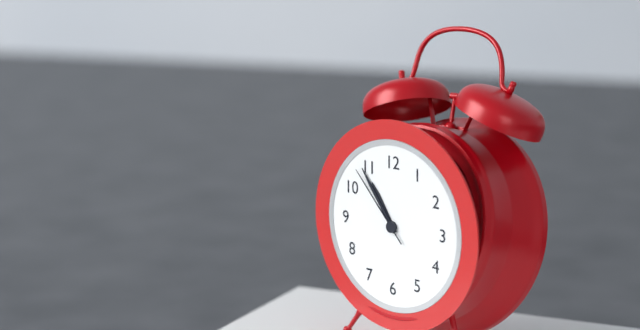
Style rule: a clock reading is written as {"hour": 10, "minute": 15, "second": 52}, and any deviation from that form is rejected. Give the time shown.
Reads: {"hour": 10, "minute": 54, "second": 53}
